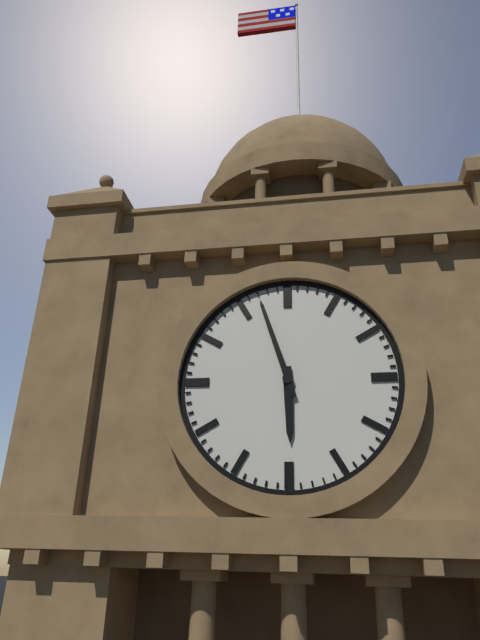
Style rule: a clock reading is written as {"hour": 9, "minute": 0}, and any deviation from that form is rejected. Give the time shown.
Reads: {"hour": 5, "minute": 57}
